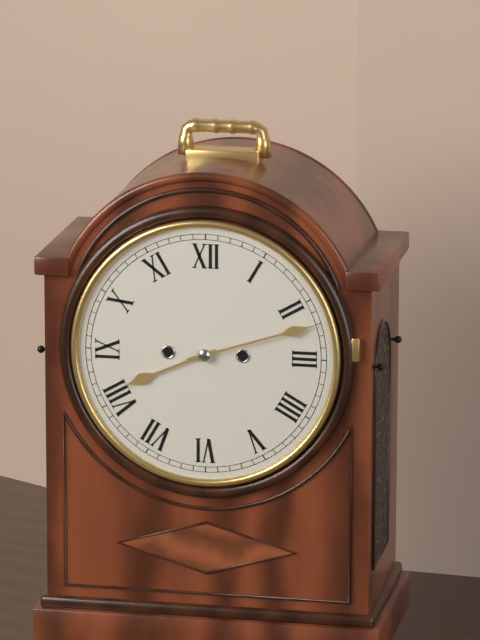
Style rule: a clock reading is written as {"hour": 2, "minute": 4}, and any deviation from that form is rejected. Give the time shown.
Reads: {"hour": 8, "minute": 12}
